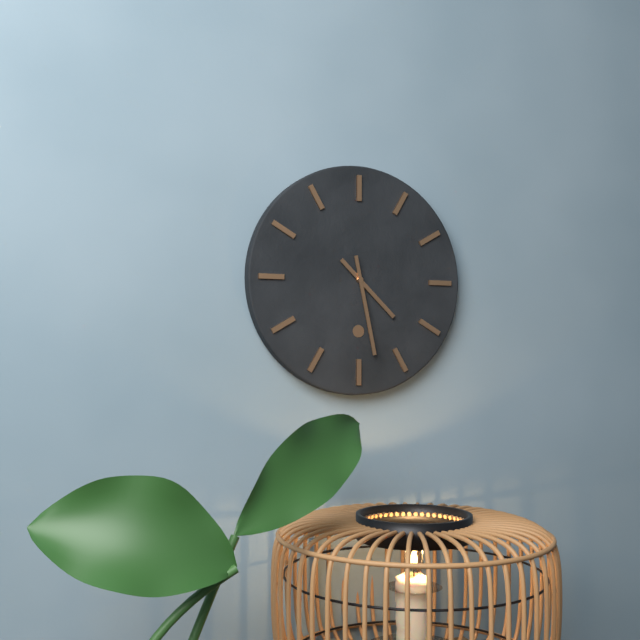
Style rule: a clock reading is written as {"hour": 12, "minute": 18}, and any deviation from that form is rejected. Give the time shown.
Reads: {"hour": 4, "minute": 28}
